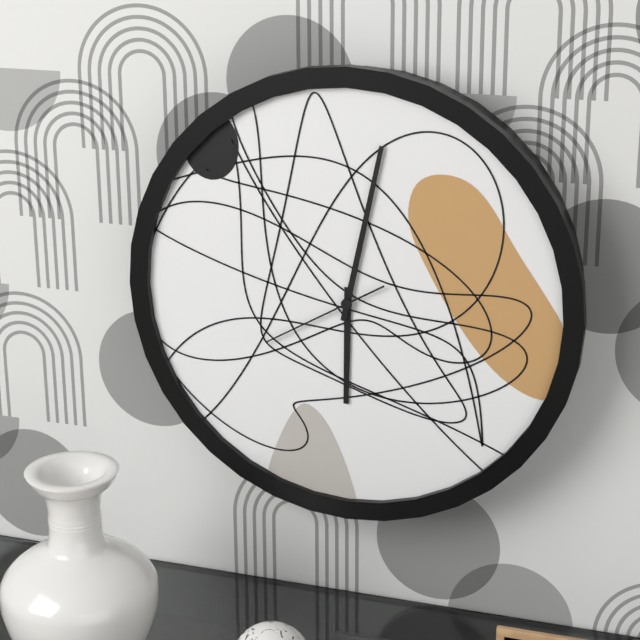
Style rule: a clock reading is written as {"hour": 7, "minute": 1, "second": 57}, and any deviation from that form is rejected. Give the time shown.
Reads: {"hour": 6, "minute": 2, "second": 40}
